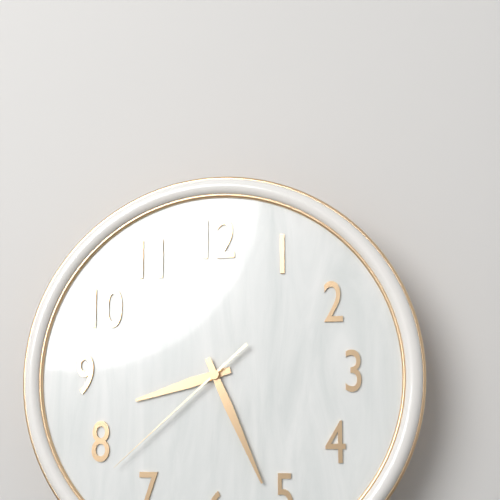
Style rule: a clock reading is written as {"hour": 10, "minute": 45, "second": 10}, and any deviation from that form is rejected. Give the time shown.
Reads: {"hour": 8, "minute": 26, "second": 38}
